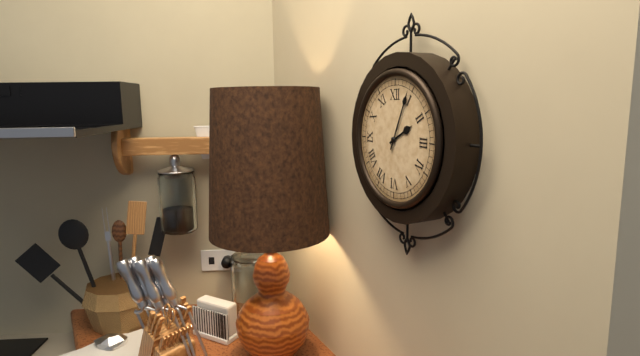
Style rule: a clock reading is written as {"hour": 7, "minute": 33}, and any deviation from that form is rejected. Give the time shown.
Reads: {"hour": 2, "minute": 4}
